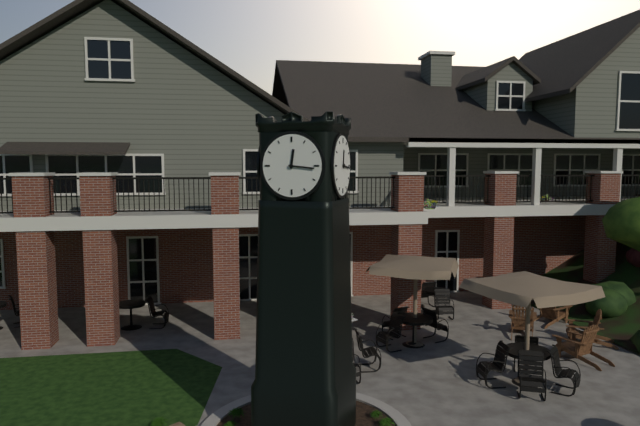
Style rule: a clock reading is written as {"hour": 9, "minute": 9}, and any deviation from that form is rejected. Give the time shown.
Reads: {"hour": 12, "minute": 16}
